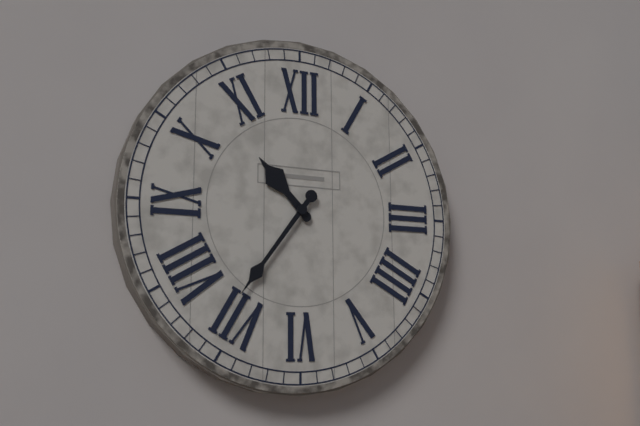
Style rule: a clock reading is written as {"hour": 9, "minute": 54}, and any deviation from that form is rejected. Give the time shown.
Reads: {"hour": 10, "minute": 36}
